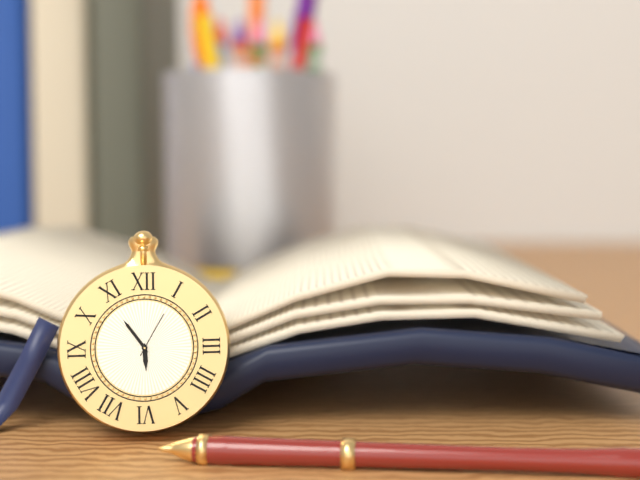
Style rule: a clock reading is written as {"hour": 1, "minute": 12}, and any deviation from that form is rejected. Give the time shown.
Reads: {"hour": 5, "minute": 54}
